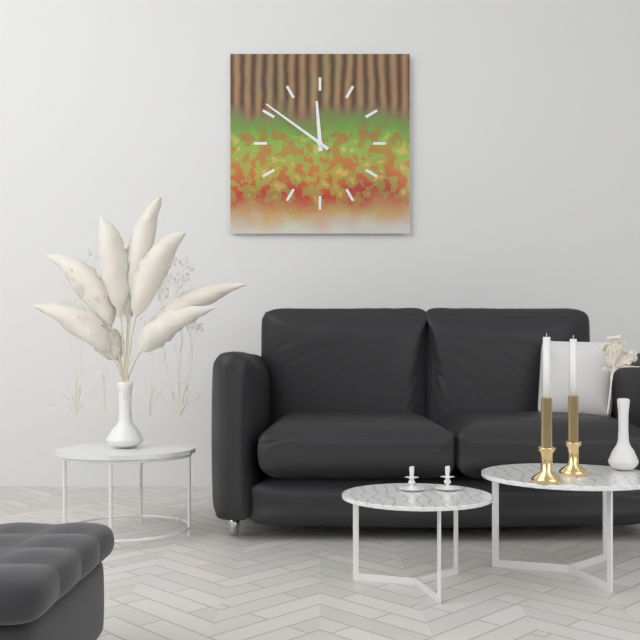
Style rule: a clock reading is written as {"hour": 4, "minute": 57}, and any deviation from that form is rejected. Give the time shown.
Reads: {"hour": 11, "minute": 51}
